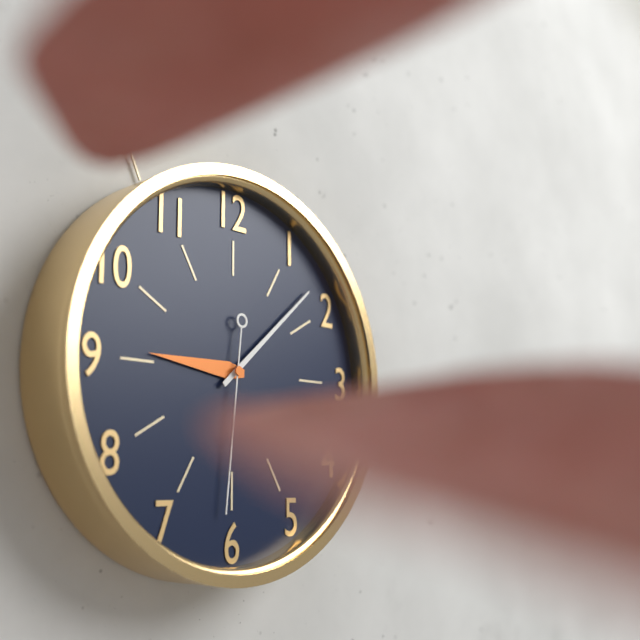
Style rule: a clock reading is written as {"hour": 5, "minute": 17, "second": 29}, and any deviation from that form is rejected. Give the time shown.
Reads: {"hour": 9, "minute": 8, "second": 31}
